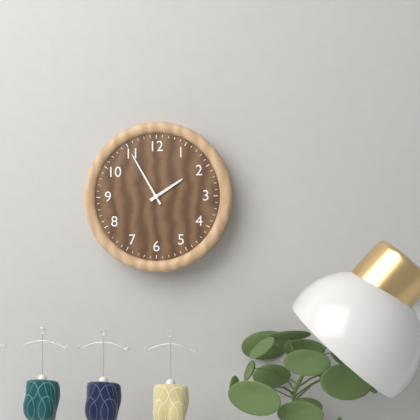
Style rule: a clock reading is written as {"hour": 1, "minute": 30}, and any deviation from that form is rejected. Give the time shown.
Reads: {"hour": 1, "minute": 55}
